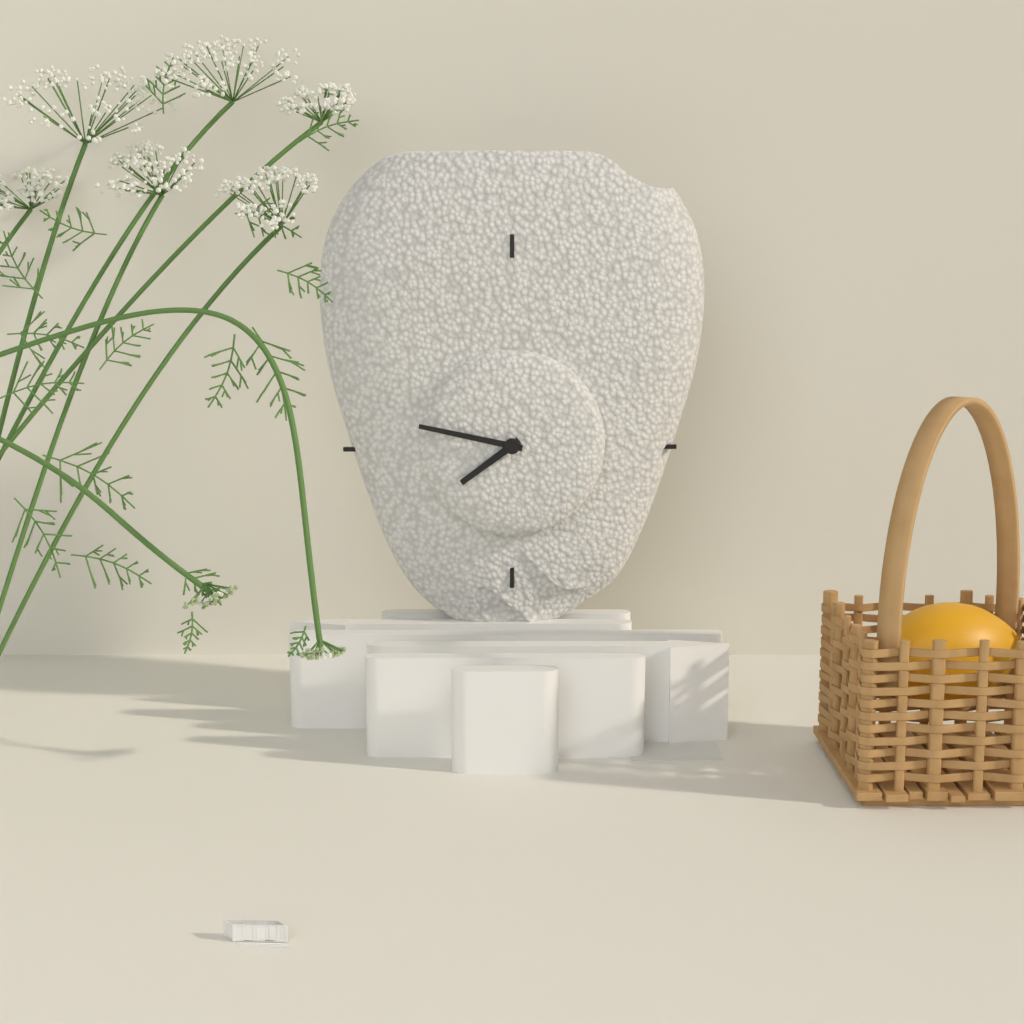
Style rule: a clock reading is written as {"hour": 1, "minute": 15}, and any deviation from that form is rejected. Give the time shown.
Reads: {"hour": 7, "minute": 47}
